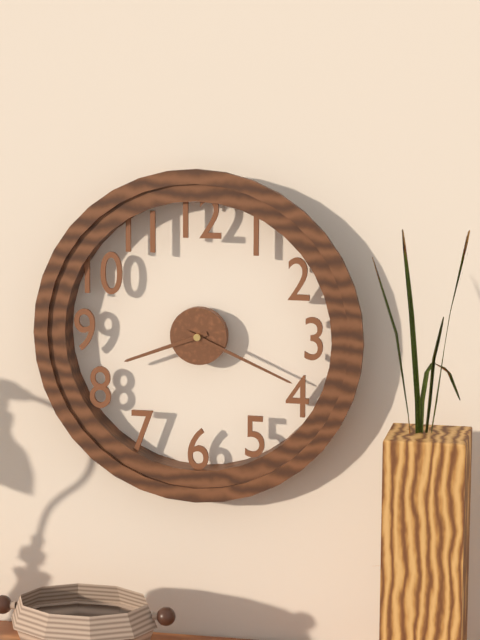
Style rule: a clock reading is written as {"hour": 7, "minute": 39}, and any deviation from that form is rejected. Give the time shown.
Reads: {"hour": 8, "minute": 19}
